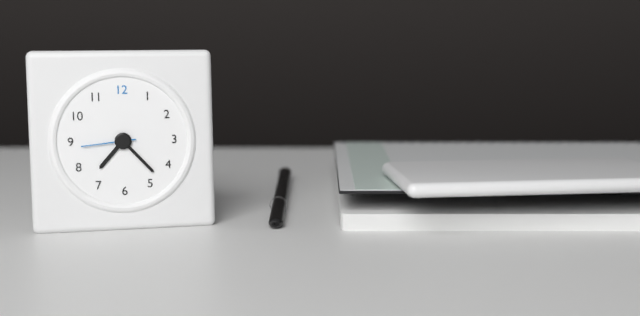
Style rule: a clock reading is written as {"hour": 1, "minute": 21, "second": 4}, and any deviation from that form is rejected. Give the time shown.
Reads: {"hour": 7, "minute": 23, "second": 44}
